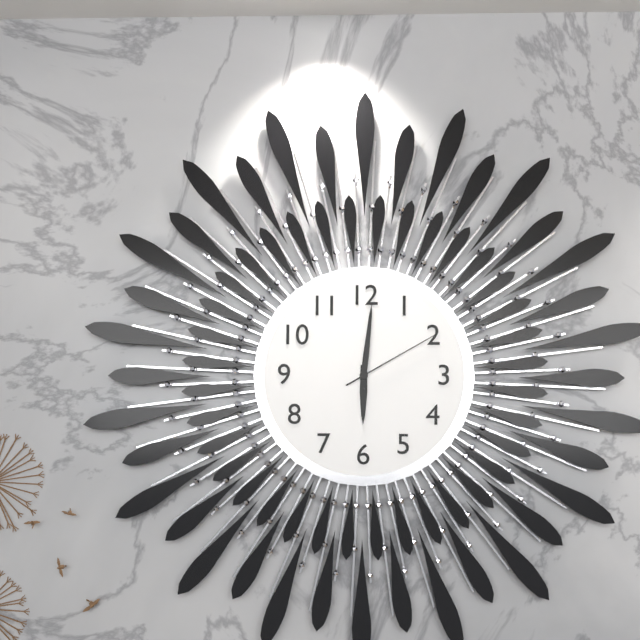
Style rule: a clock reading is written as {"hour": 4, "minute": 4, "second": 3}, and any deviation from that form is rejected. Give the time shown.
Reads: {"hour": 6, "minute": 1, "second": 10}
